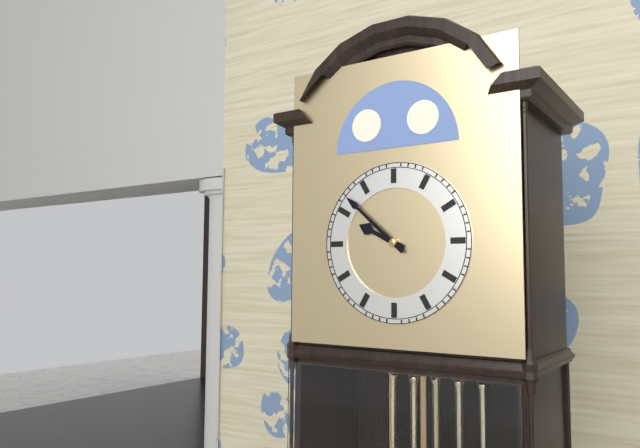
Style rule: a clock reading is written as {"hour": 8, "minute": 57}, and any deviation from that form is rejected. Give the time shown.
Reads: {"hour": 9, "minute": 52}
